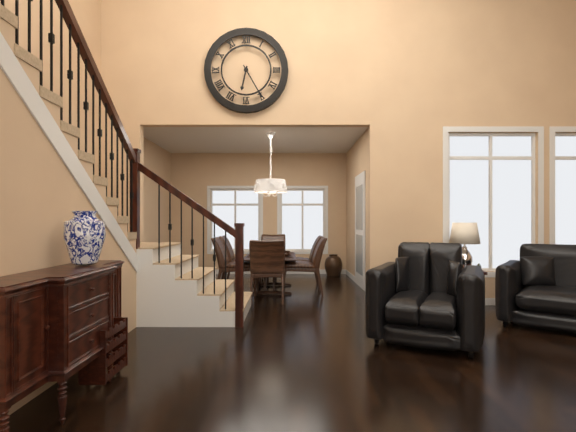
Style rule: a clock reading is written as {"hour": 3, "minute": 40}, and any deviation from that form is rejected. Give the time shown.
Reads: {"hour": 6, "minute": 25}
